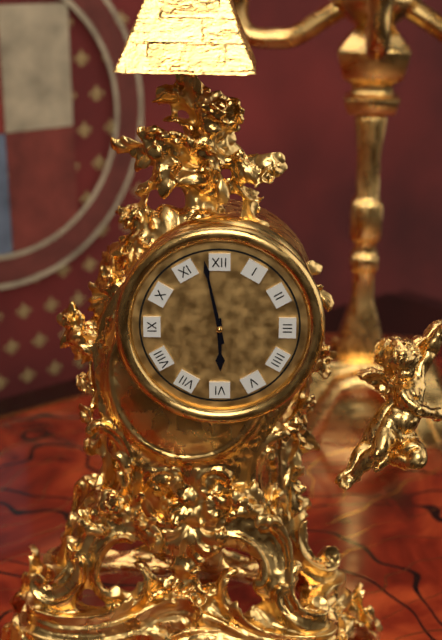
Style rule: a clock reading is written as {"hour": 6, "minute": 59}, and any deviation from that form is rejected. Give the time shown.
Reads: {"hour": 5, "minute": 58}
